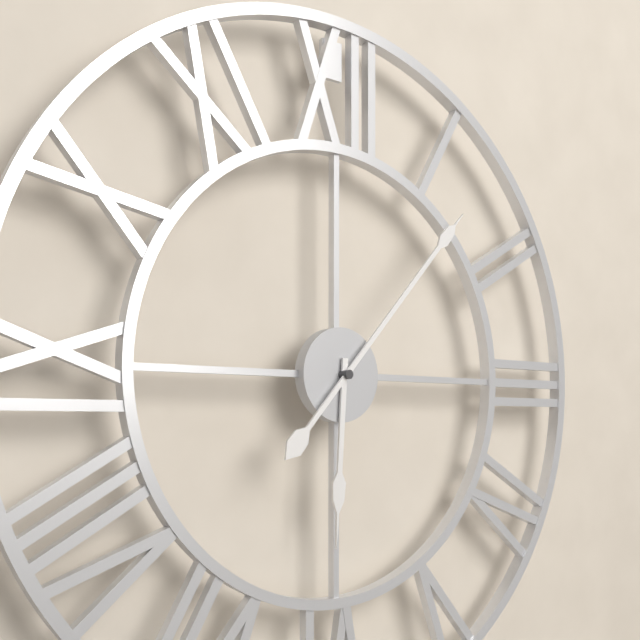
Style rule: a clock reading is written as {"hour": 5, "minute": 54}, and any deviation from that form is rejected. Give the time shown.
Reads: {"hour": 6, "minute": 7}
